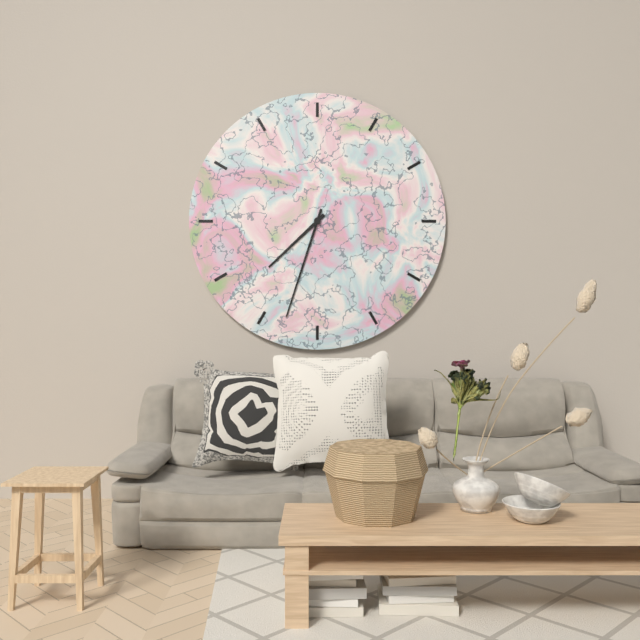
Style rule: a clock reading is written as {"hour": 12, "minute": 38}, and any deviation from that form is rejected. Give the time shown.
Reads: {"hour": 7, "minute": 33}
